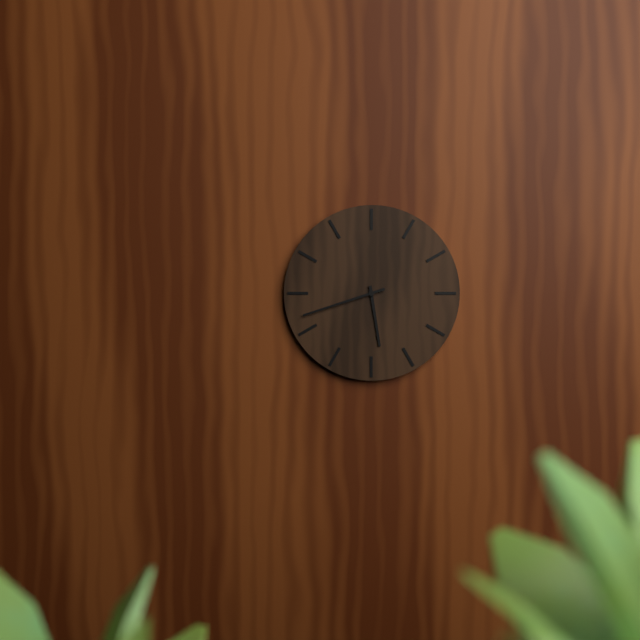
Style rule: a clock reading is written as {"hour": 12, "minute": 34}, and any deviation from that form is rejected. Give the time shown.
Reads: {"hour": 5, "minute": 42}
